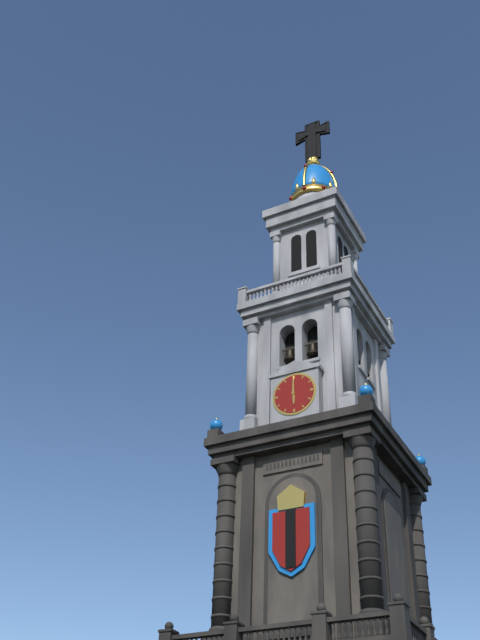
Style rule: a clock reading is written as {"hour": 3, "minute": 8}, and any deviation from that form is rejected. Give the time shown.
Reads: {"hour": 6, "minute": 0}
